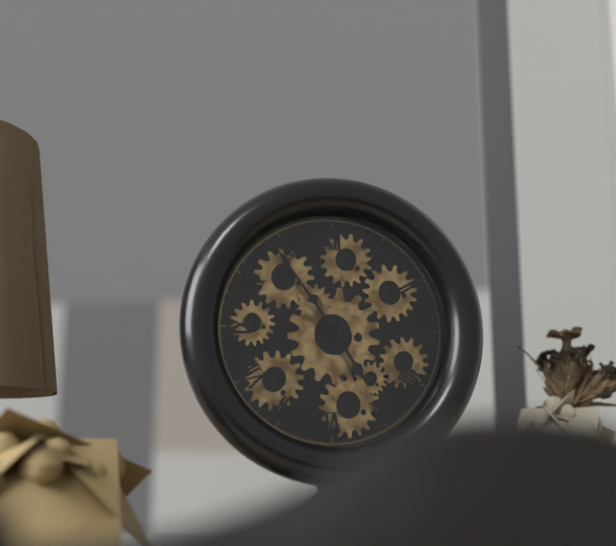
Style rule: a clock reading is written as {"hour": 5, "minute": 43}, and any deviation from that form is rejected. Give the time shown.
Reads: {"hour": 4, "minute": 54}
